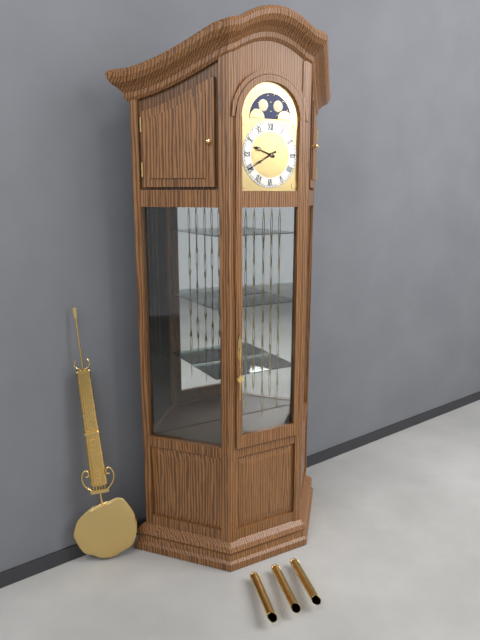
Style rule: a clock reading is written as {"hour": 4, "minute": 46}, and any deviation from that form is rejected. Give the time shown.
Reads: {"hour": 9, "minute": 40}
